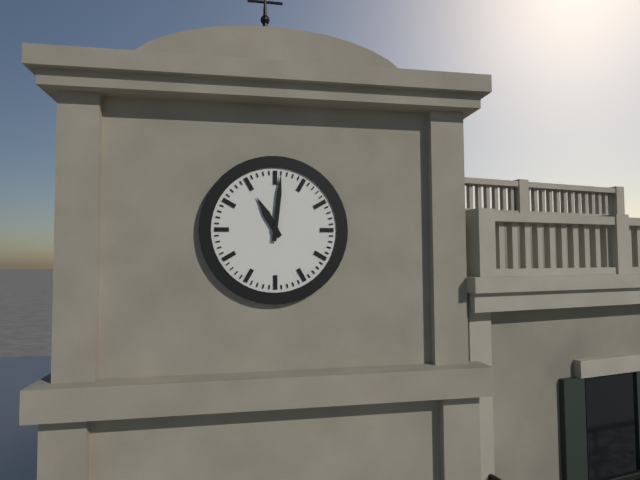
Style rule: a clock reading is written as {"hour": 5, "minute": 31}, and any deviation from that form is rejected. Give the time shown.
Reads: {"hour": 11, "minute": 1}
